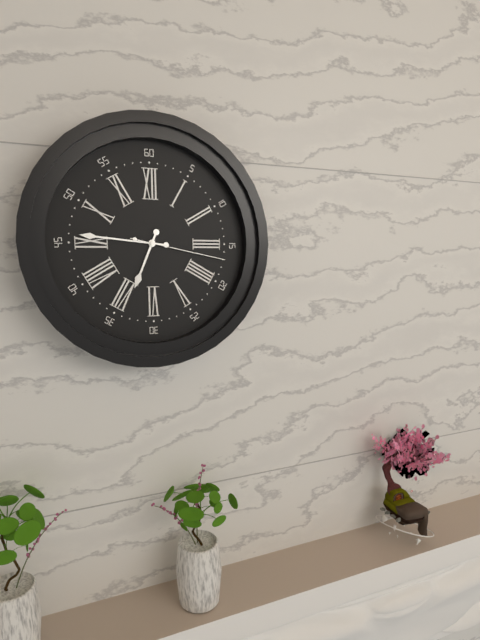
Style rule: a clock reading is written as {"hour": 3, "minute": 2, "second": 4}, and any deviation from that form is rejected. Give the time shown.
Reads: {"hour": 6, "minute": 46, "second": 17}
